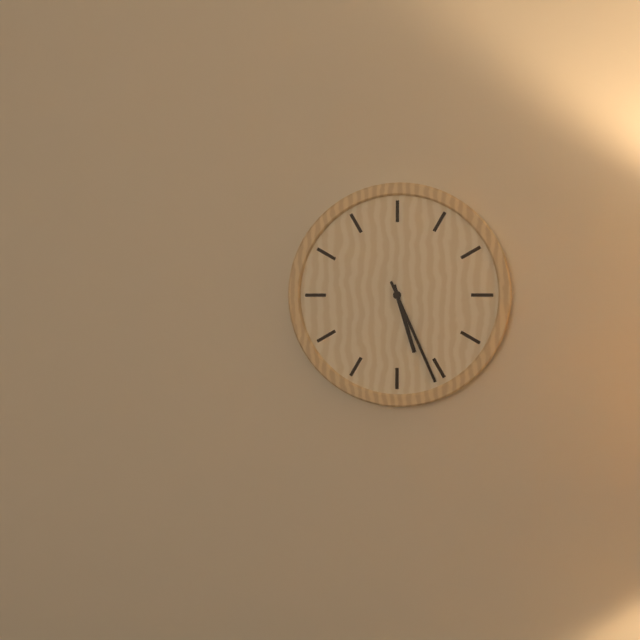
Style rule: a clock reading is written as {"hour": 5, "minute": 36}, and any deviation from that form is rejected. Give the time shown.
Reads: {"hour": 5, "minute": 26}
